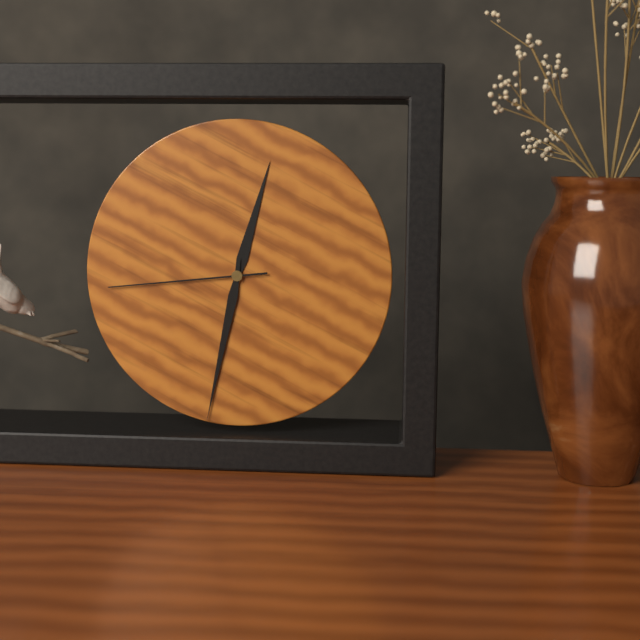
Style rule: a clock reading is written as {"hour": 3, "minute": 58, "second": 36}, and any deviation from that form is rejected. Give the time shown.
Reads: {"hour": 12, "minute": 32, "second": 44}
